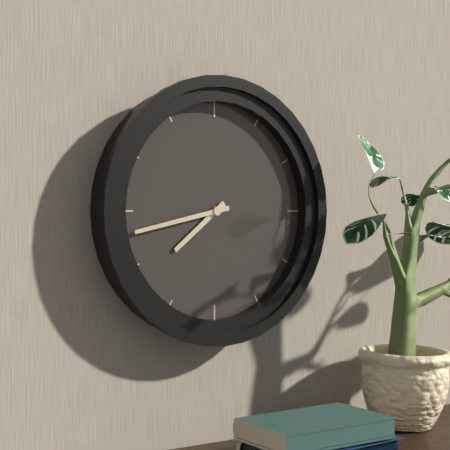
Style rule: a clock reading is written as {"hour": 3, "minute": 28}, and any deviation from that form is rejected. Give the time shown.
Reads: {"hour": 7, "minute": 43}
